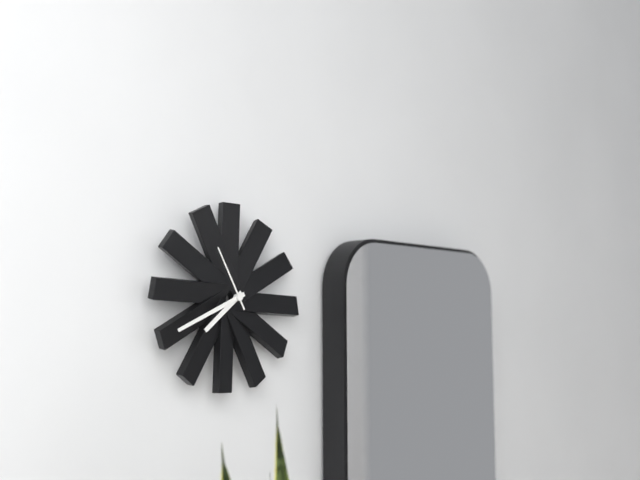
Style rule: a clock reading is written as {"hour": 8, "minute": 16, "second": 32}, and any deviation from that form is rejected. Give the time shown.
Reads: {"hour": 7, "minute": 41, "second": 55}
